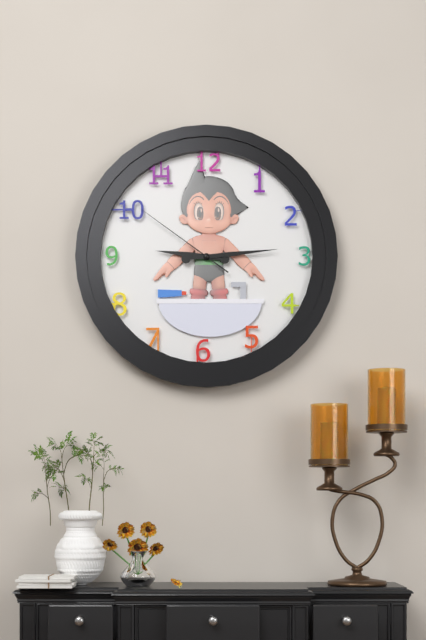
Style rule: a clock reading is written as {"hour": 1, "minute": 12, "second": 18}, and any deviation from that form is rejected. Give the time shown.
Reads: {"hour": 9, "minute": 14, "second": 51}
